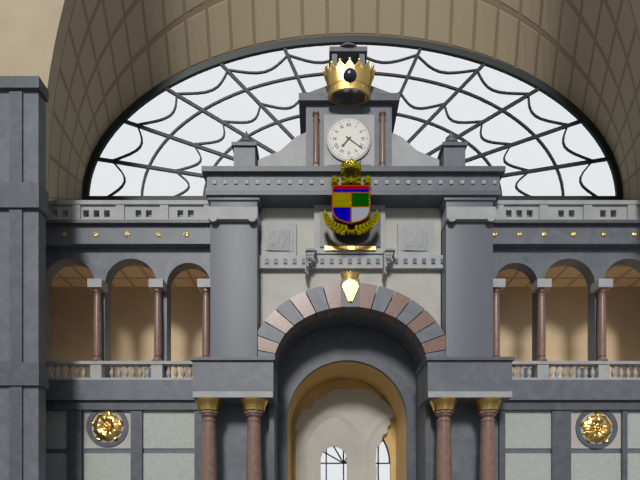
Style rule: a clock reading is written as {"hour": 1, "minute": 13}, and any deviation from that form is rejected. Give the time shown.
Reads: {"hour": 7, "minute": 21}
